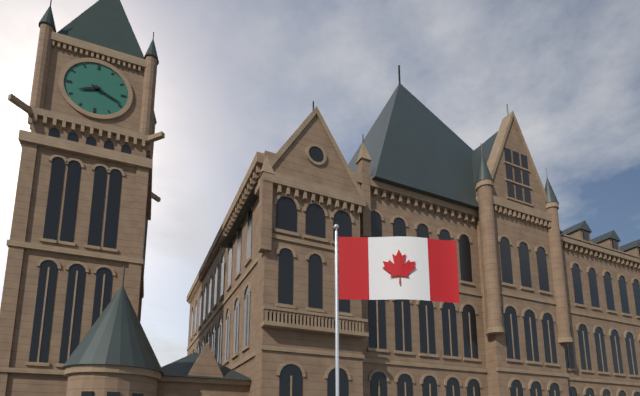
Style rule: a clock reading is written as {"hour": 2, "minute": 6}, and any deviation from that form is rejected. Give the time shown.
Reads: {"hour": 8, "minute": 19}
